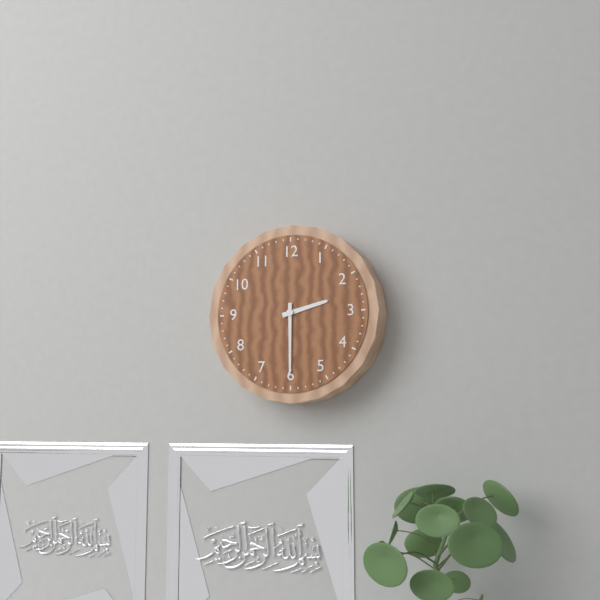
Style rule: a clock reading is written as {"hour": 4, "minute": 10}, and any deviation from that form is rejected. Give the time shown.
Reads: {"hour": 2, "minute": 30}
